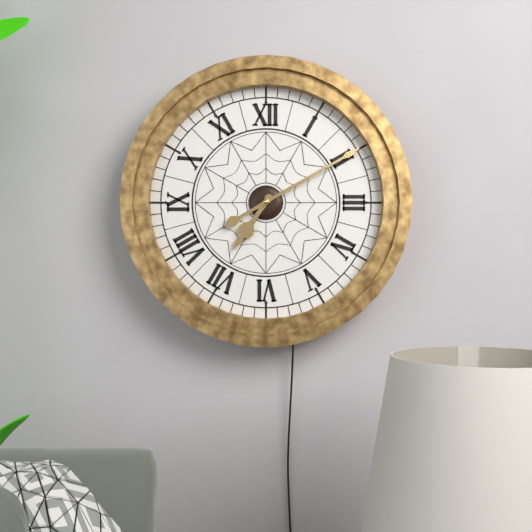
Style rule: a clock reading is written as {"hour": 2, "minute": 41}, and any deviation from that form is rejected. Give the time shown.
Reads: {"hour": 7, "minute": 10}
